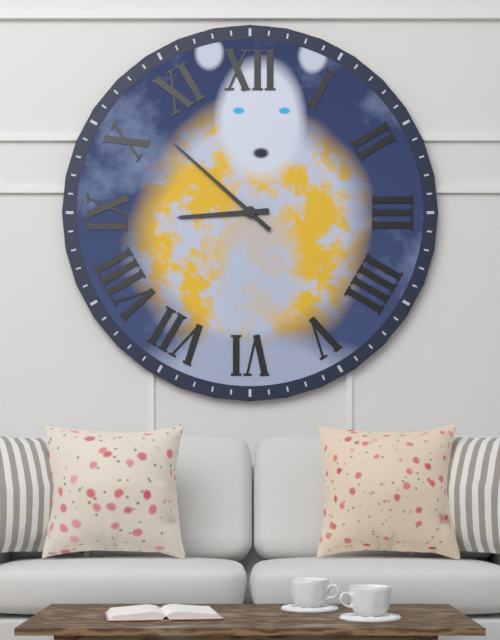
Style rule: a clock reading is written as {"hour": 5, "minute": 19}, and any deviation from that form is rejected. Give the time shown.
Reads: {"hour": 8, "minute": 52}
